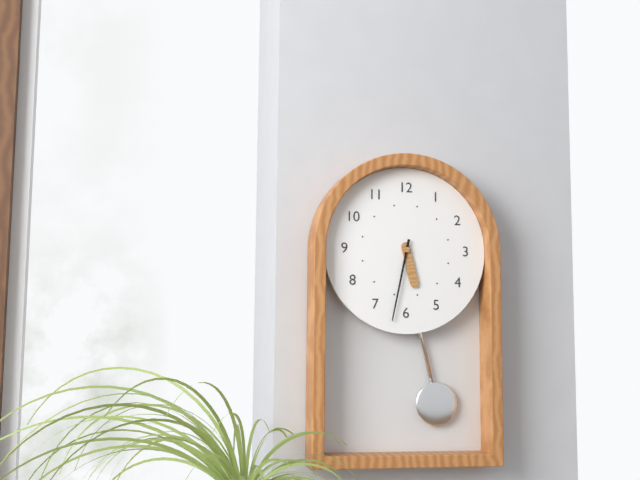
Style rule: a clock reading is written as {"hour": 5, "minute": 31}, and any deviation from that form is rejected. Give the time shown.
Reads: {"hour": 5, "minute": 32}
